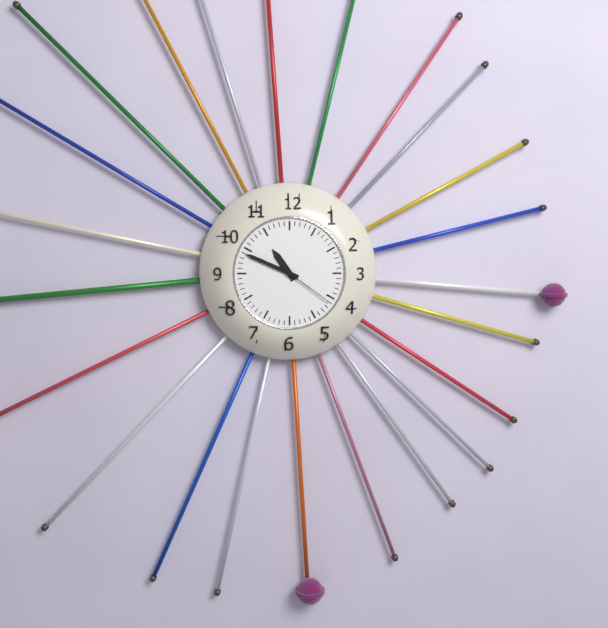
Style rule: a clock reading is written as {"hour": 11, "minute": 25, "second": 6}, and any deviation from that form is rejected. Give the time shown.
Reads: {"hour": 10, "minute": 49, "second": 21}
